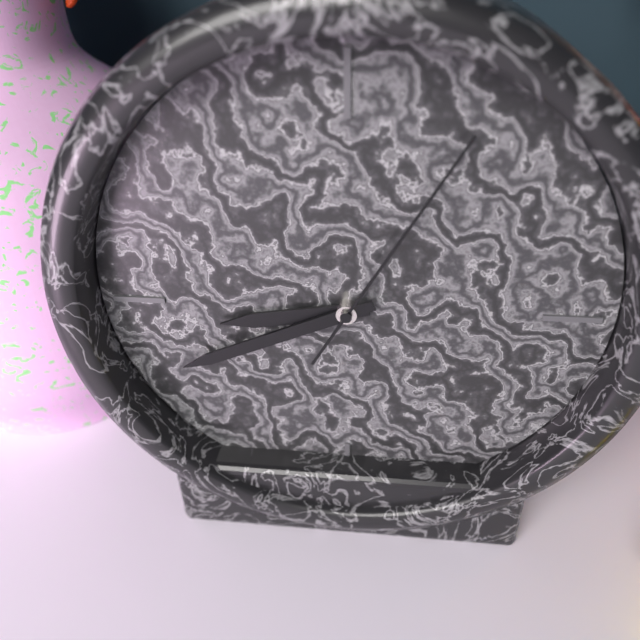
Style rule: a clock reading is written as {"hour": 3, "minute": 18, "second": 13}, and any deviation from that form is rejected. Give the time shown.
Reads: {"hour": 8, "minute": 41, "second": 5}
